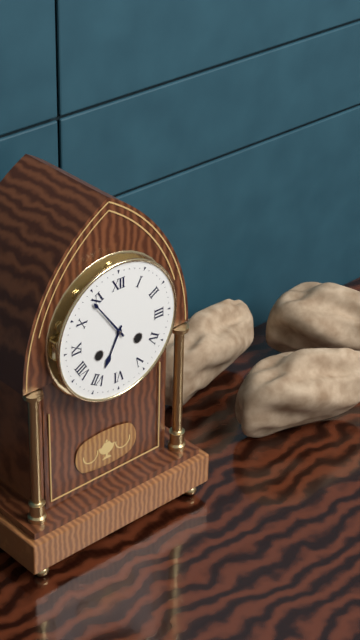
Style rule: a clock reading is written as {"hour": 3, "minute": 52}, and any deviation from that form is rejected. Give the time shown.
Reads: {"hour": 6, "minute": 54}
